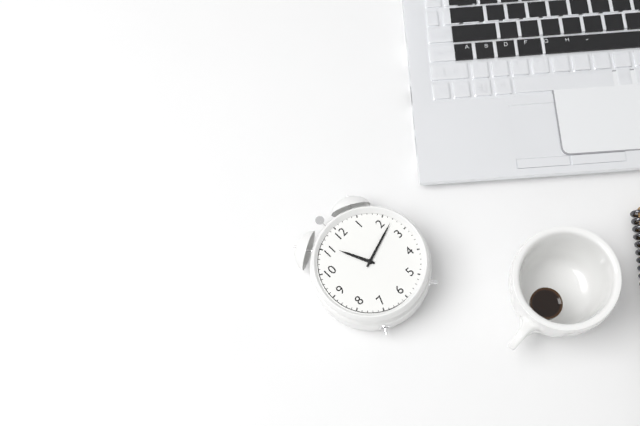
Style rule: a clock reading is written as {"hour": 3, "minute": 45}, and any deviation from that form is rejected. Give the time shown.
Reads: {"hour": 11, "minute": 12}
